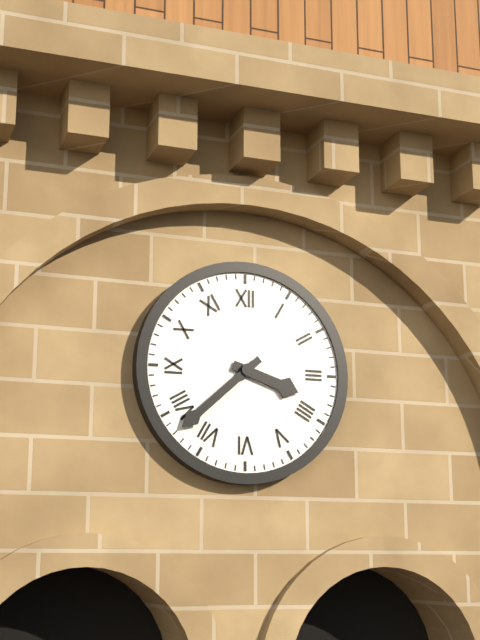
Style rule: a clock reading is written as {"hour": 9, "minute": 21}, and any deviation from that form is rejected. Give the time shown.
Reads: {"hour": 3, "minute": 38}
